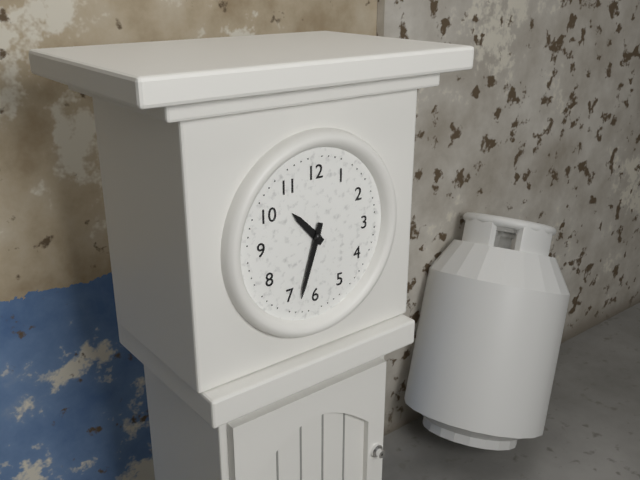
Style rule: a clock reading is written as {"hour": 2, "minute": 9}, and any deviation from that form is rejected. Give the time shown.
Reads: {"hour": 10, "minute": 33}
